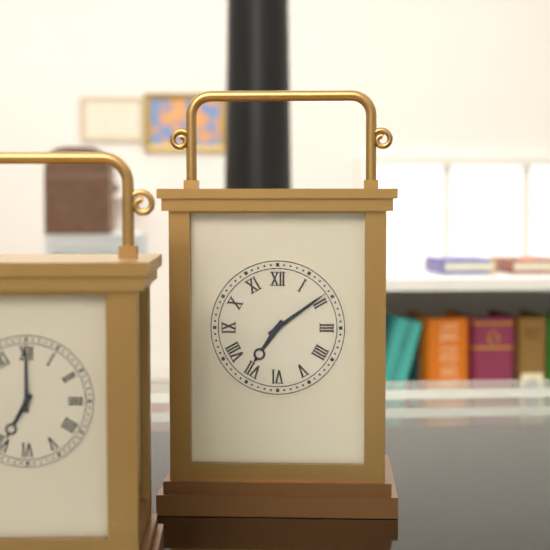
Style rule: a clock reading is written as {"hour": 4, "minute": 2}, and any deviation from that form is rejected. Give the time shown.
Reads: {"hour": 7, "minute": 9}
